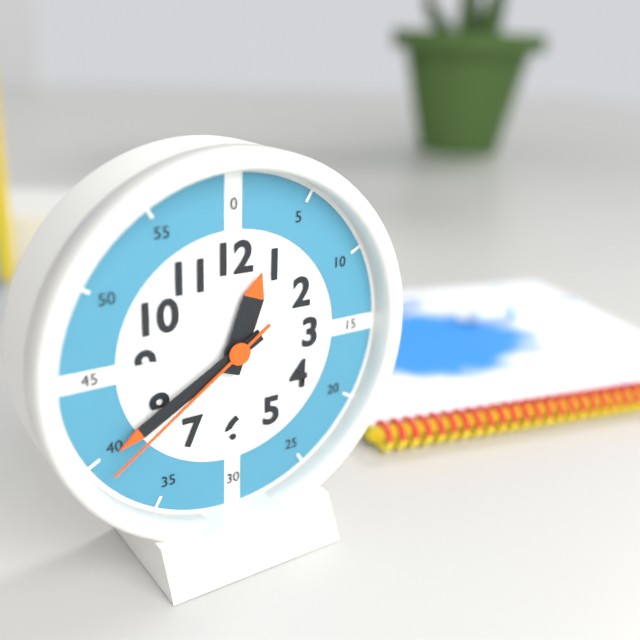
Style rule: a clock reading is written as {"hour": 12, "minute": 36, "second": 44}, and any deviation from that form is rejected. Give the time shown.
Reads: {"hour": 12, "minute": 40, "second": 39}
